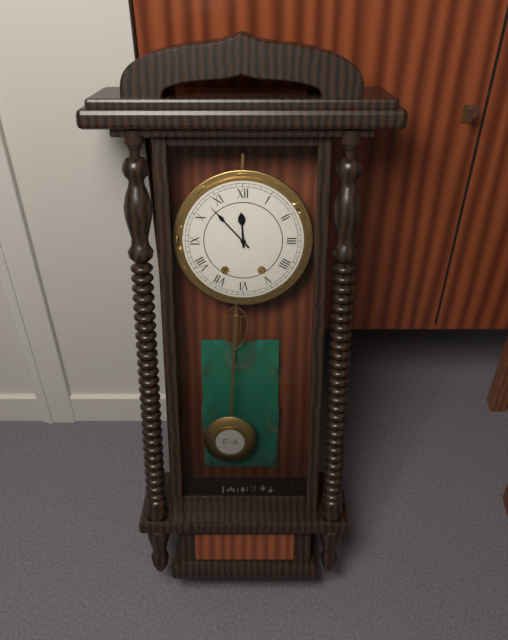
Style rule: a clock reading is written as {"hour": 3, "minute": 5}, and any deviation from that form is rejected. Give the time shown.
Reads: {"hour": 11, "minute": 53}
